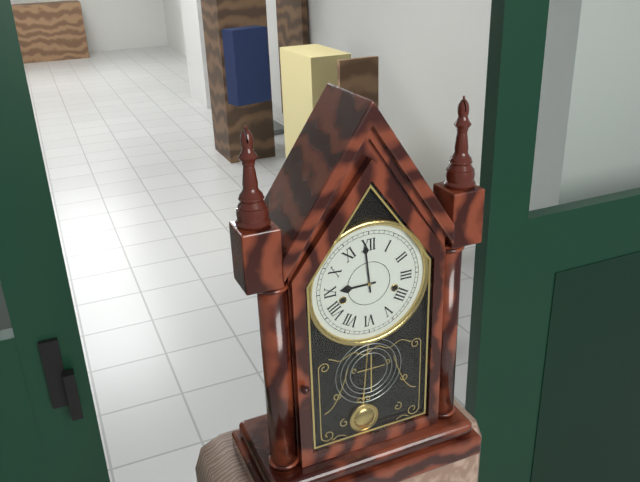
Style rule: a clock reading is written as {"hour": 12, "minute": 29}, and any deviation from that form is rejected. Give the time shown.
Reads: {"hour": 8, "minute": 59}
